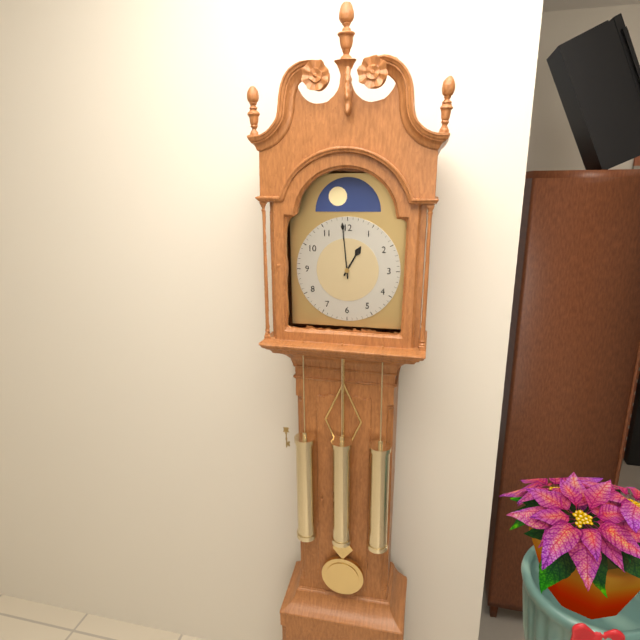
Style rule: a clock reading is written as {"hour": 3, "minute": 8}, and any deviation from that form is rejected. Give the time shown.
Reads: {"hour": 12, "minute": 59}
